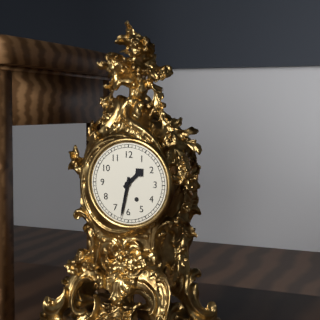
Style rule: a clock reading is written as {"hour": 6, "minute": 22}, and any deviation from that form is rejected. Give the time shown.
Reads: {"hour": 1, "minute": 32}
